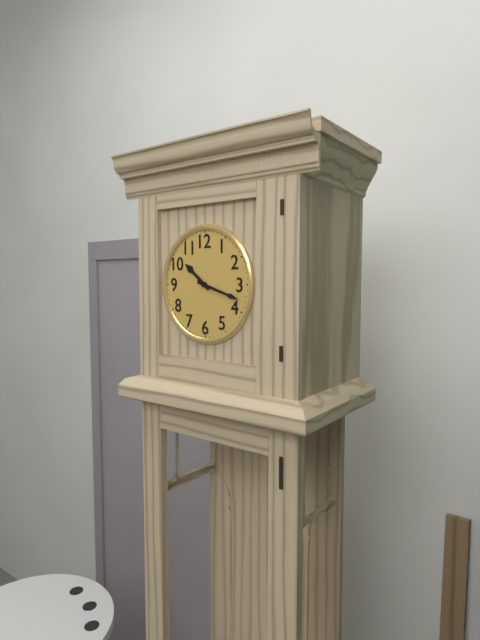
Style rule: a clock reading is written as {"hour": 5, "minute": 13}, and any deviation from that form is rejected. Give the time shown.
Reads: {"hour": 10, "minute": 18}
